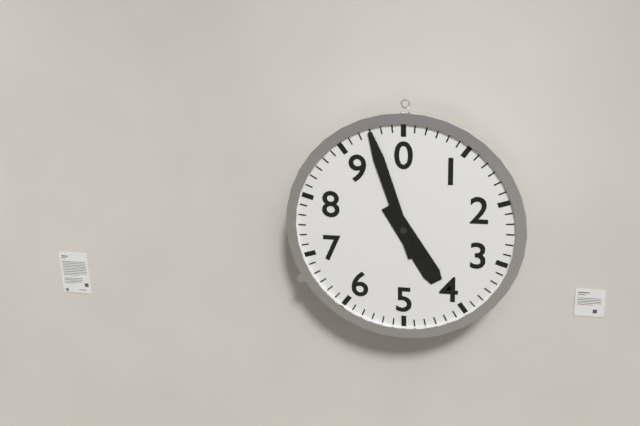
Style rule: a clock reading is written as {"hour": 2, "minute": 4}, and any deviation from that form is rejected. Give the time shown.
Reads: {"hour": 4, "minute": 57}
